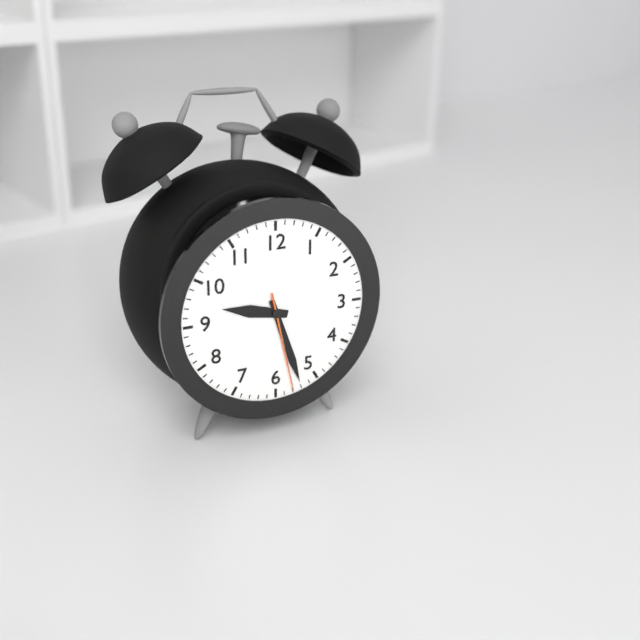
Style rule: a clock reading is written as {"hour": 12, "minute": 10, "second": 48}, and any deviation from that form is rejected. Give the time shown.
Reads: {"hour": 9, "minute": 27, "second": 28}
